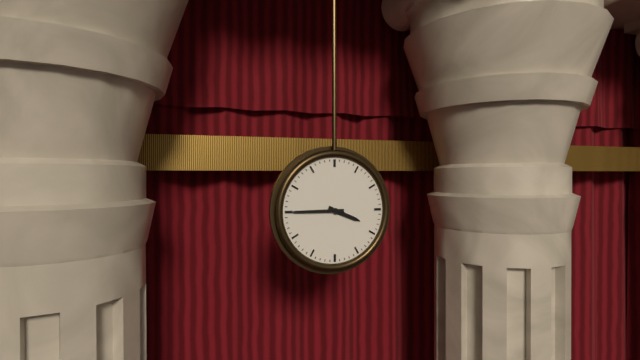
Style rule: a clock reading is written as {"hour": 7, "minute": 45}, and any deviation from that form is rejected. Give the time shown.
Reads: {"hour": 3, "minute": 45}
